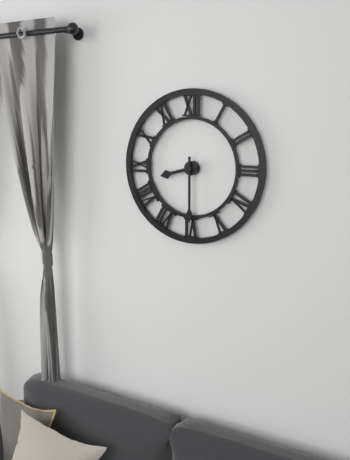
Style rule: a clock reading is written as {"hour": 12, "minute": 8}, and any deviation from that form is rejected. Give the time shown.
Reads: {"hour": 8, "minute": 30}
